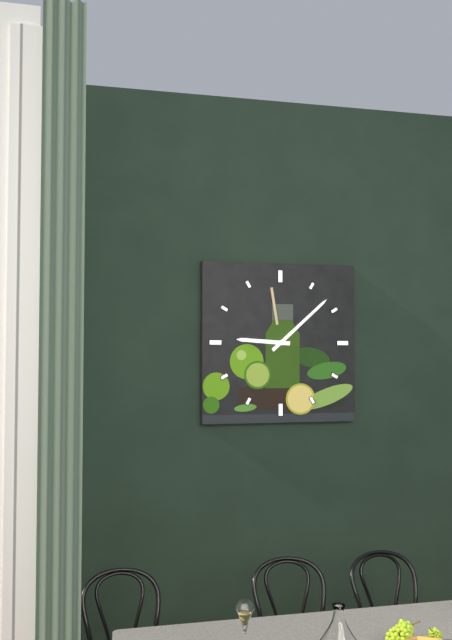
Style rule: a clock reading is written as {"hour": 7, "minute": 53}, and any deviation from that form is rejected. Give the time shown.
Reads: {"hour": 9, "minute": 8}
